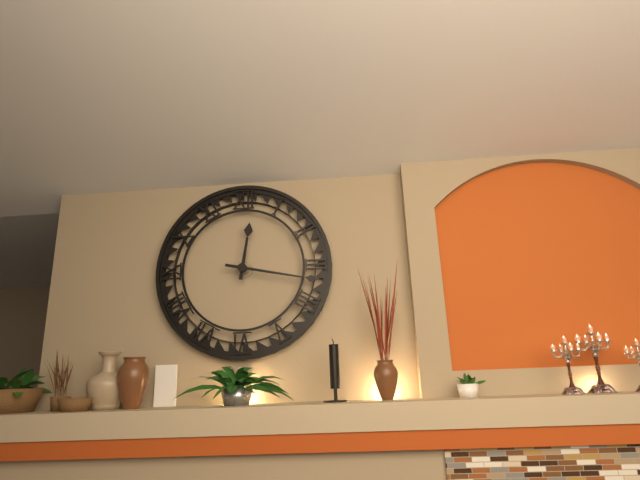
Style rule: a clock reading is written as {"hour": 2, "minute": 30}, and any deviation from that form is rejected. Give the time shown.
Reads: {"hour": 12, "minute": 17}
